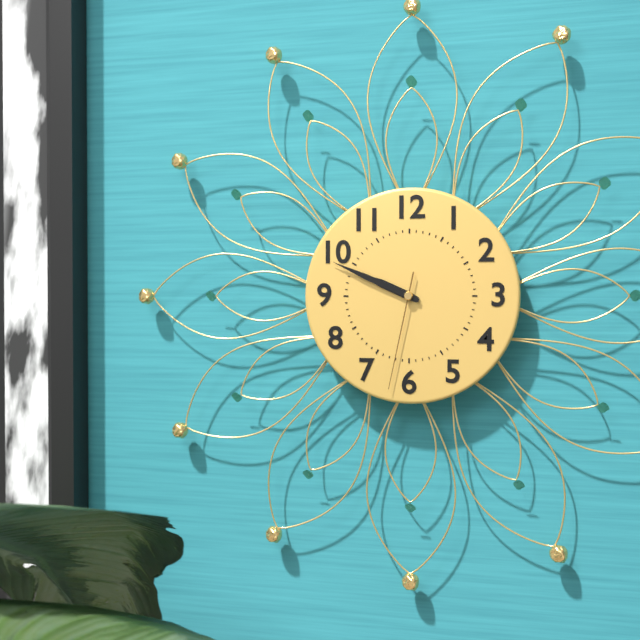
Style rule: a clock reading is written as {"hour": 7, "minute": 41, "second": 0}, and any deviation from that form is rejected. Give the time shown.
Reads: {"hour": 9, "minute": 49, "second": 32}
